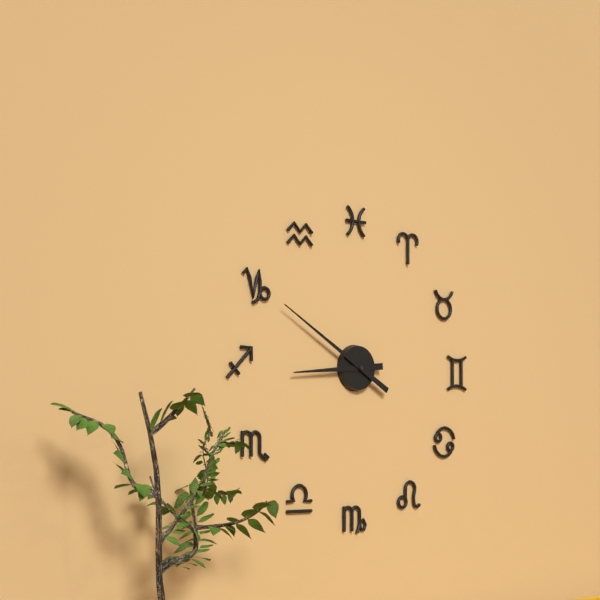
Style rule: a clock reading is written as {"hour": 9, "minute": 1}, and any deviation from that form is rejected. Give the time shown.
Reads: {"hour": 8, "minute": 50}
